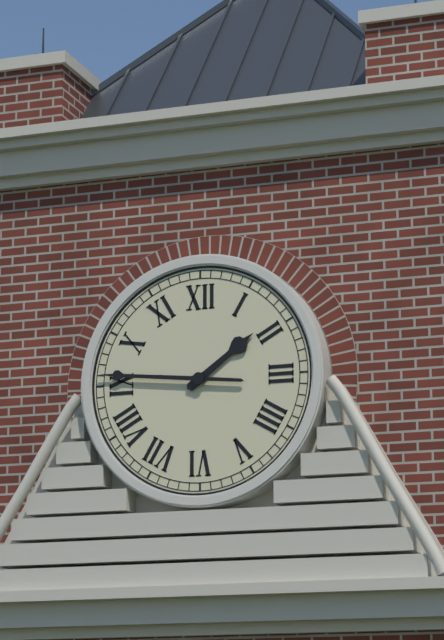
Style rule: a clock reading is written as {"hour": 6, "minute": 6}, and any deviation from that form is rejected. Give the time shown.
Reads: {"hour": 1, "minute": 46}
